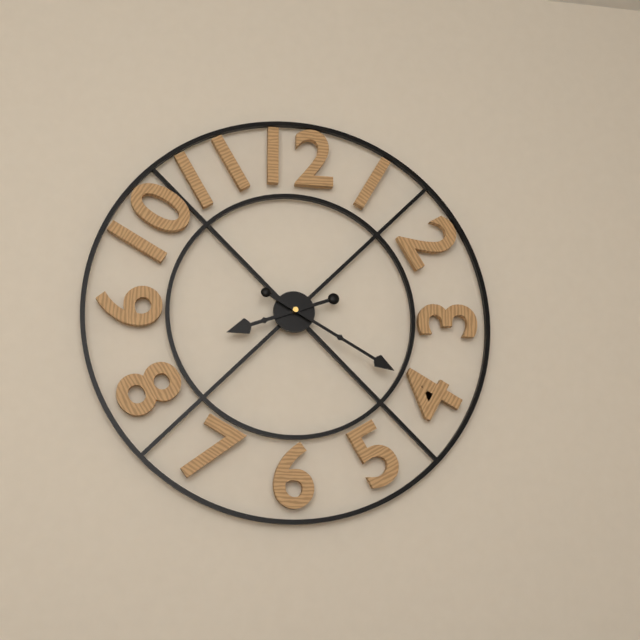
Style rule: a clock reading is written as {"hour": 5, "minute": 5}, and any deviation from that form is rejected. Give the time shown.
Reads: {"hour": 8, "minute": 20}
